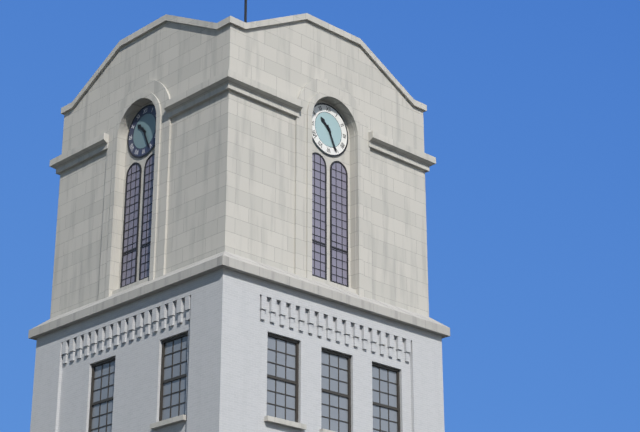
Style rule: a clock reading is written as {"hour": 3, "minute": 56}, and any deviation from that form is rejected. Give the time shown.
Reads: {"hour": 10, "minute": 26}
